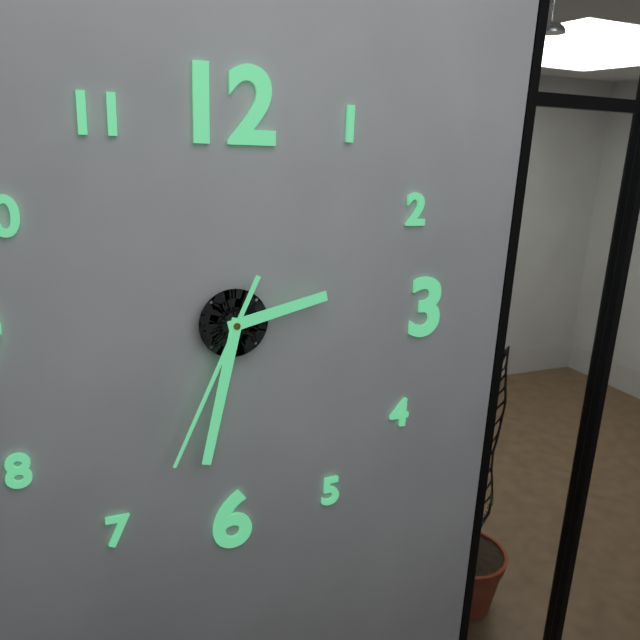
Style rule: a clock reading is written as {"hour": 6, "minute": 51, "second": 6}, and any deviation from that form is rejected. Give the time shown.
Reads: {"hour": 2, "minute": 32, "second": 34}
